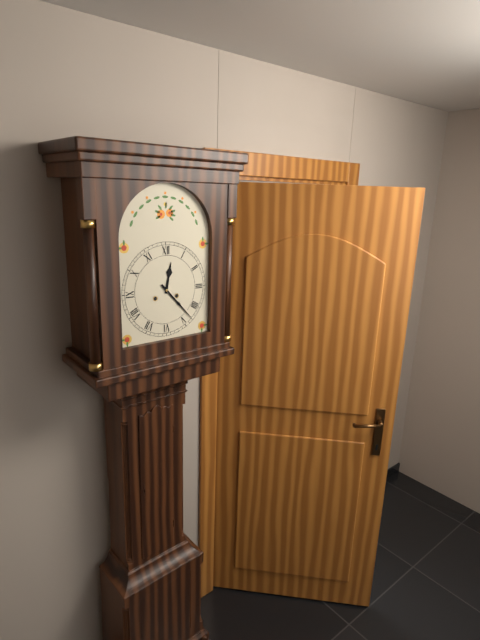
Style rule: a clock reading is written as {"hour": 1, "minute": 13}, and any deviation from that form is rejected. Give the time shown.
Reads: {"hour": 12, "minute": 23}
